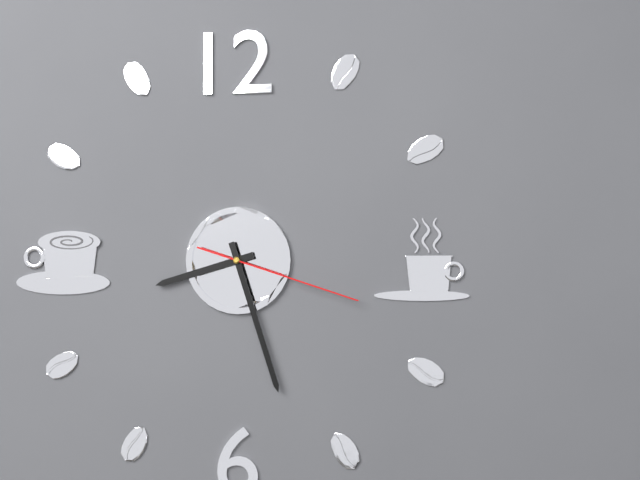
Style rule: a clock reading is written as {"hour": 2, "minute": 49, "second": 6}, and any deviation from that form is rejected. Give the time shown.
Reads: {"hour": 8, "minute": 27, "second": 18}
